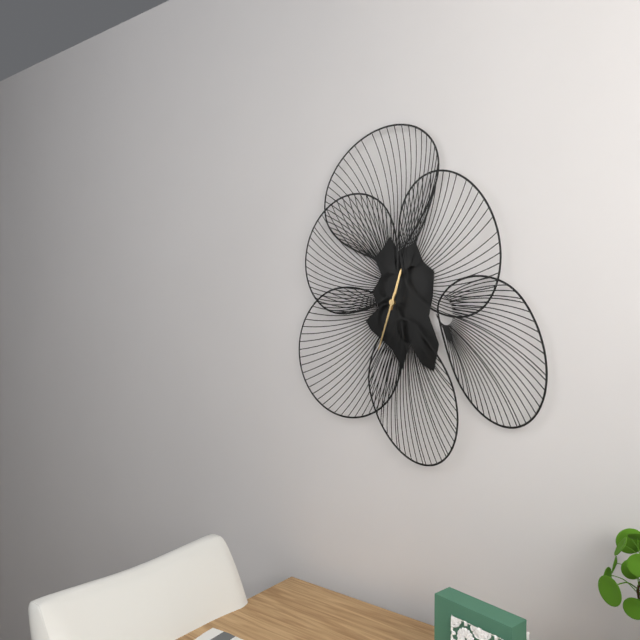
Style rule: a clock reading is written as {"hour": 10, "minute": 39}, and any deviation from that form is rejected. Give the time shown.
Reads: {"hour": 12, "minute": 33}
